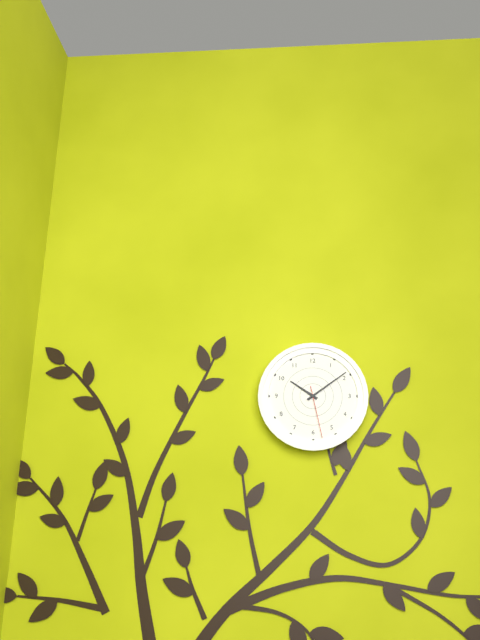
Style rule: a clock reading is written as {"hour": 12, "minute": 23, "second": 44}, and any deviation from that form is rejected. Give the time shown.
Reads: {"hour": 10, "minute": 9, "second": 28}
